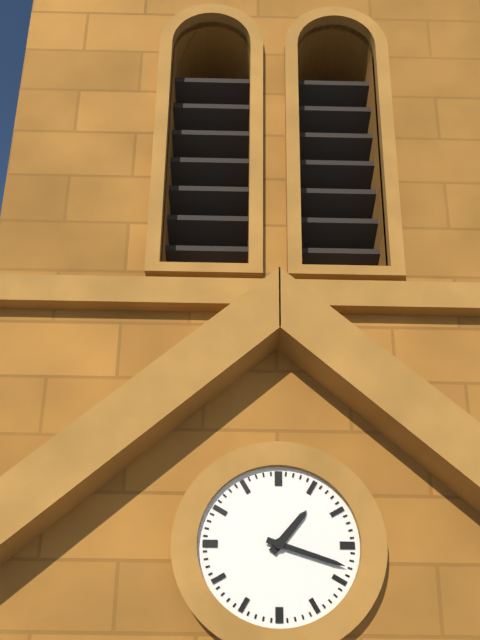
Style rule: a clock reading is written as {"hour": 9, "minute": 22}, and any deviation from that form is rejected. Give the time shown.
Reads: {"hour": 1, "minute": 18}
